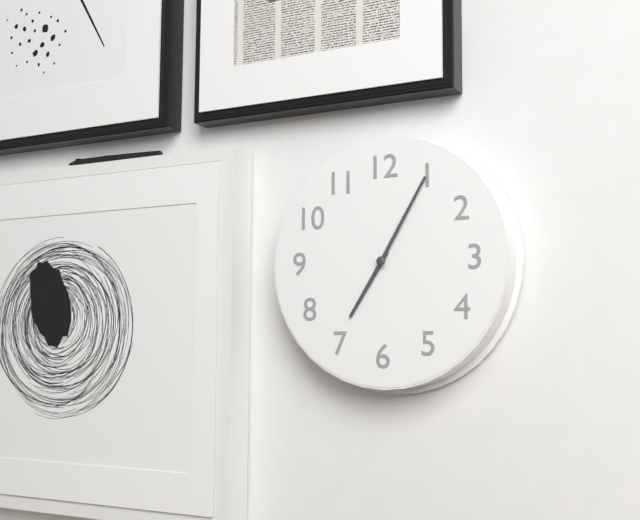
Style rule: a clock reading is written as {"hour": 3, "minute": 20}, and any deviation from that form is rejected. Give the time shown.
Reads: {"hour": 7, "minute": 5}
